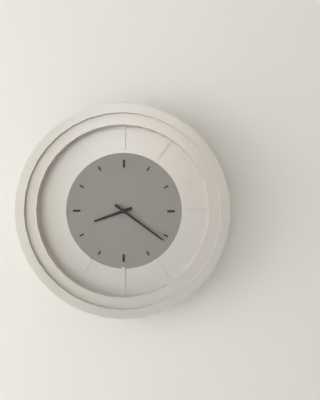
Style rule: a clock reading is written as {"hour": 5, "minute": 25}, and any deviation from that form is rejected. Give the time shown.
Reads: {"hour": 8, "minute": 21}
